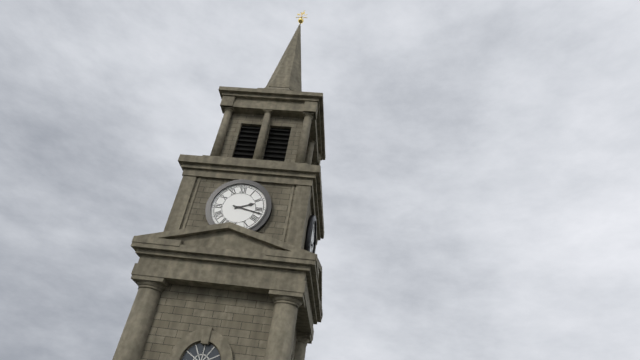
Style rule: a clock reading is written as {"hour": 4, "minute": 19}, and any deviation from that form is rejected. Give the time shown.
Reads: {"hour": 2, "minute": 17}
